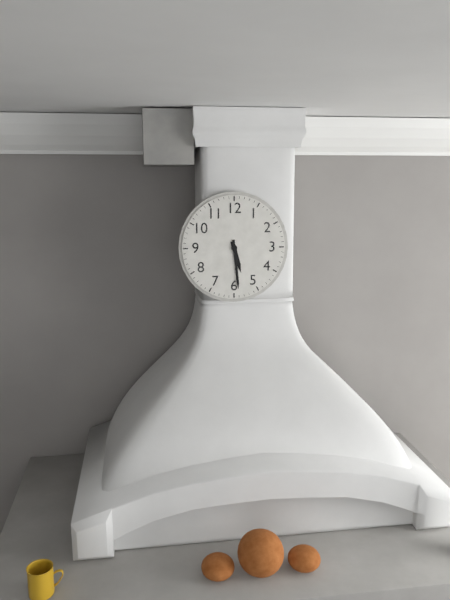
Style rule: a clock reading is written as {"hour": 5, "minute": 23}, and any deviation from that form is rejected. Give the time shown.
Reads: {"hour": 5, "minute": 29}
